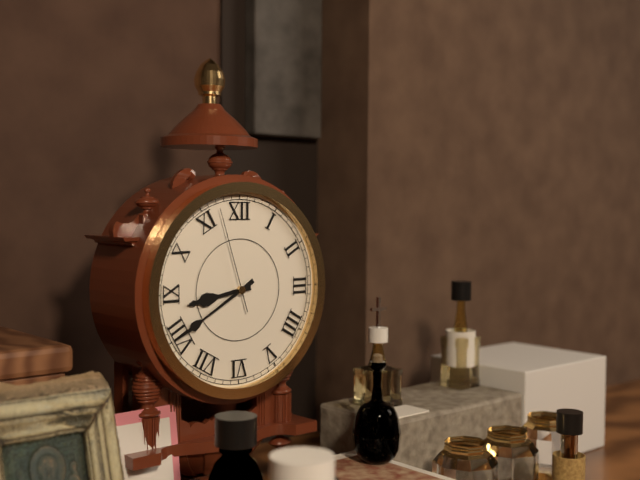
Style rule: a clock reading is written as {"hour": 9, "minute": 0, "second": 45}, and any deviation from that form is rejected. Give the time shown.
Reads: {"hour": 8, "minute": 40, "second": 57}
